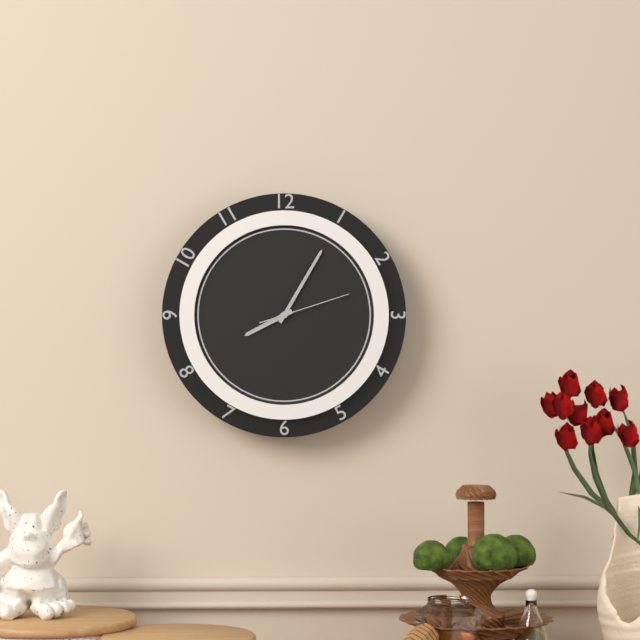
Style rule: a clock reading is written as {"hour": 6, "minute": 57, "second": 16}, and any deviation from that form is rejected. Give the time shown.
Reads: {"hour": 8, "minute": 5, "second": 12}
